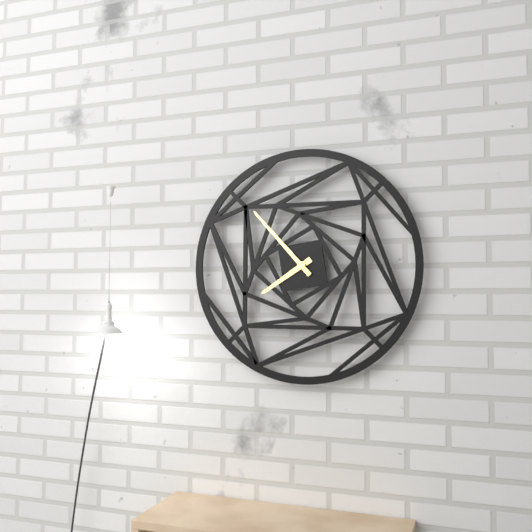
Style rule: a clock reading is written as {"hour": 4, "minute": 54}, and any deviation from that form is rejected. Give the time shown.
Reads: {"hour": 7, "minute": 53}
